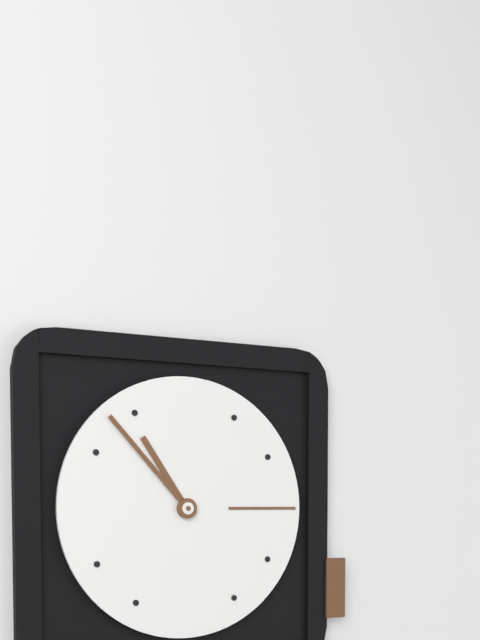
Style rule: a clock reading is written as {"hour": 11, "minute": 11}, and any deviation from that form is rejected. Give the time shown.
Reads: {"hour": 10, "minute": 53}
